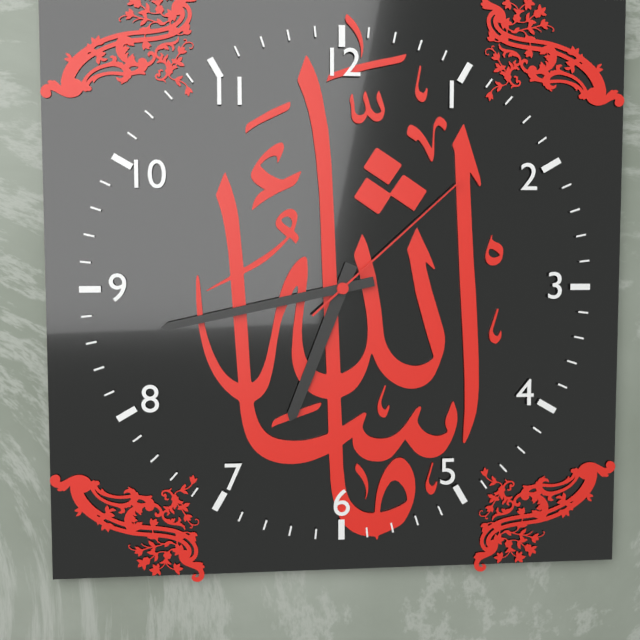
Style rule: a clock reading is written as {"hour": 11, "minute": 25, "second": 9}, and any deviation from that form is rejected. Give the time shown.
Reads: {"hour": 6, "minute": 43, "second": 8}
